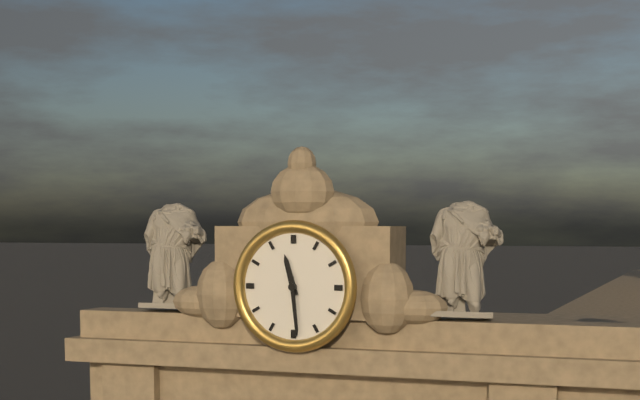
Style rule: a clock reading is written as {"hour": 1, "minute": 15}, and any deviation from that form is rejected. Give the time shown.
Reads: {"hour": 11, "minute": 29}
